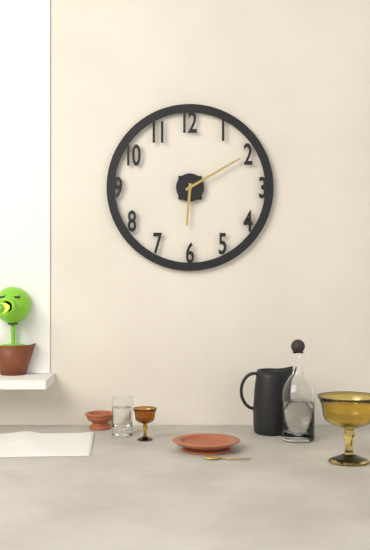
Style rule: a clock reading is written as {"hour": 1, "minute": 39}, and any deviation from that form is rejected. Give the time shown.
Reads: {"hour": 6, "minute": 10}
